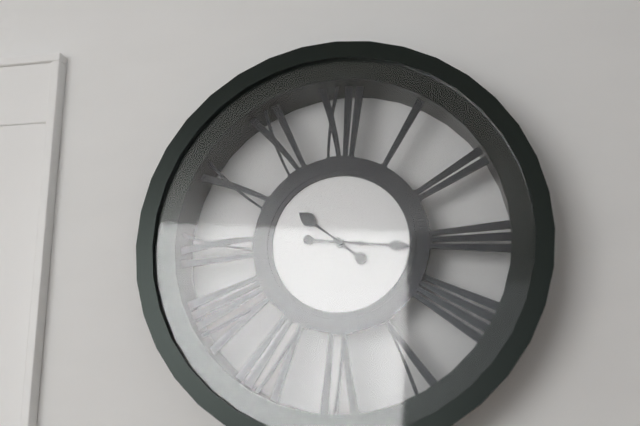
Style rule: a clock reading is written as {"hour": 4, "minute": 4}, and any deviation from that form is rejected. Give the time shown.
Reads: {"hour": 10, "minute": 16}
